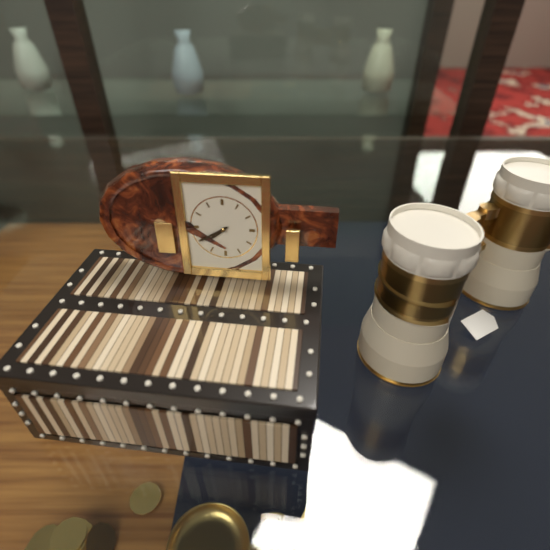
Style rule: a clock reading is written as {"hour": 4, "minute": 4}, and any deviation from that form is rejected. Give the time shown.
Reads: {"hour": 7, "minute": 40}
